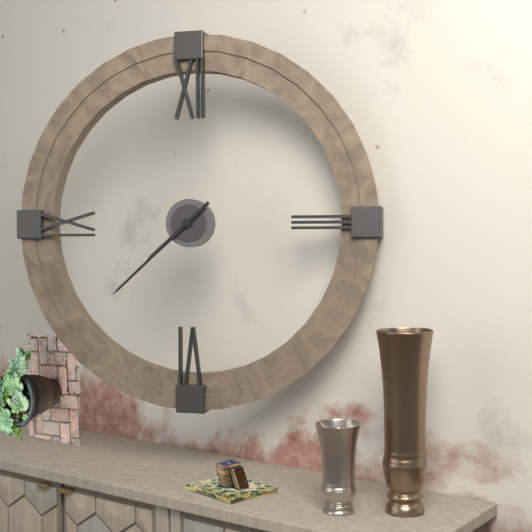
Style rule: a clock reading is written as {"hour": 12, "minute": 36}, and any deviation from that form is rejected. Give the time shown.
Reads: {"hour": 7, "minute": 38}
